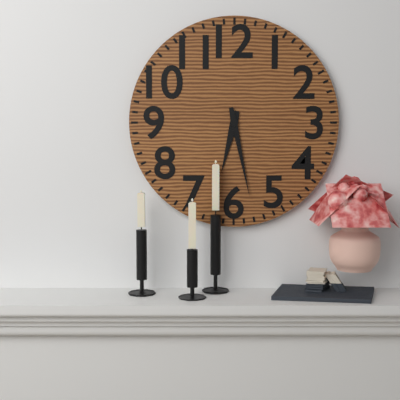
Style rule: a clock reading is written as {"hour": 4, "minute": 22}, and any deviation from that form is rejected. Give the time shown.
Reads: {"hour": 6, "minute": 28}
